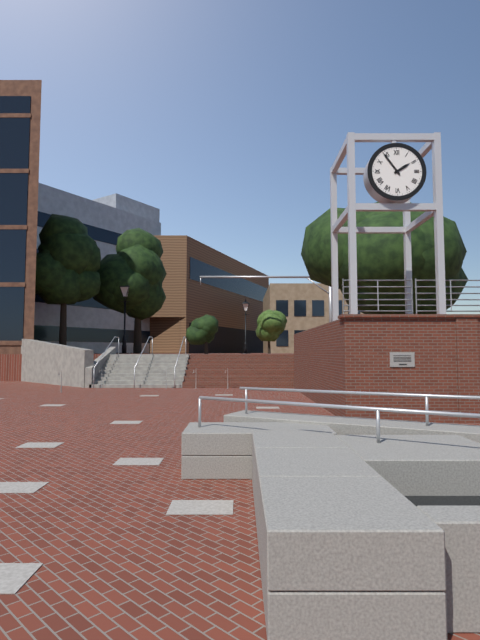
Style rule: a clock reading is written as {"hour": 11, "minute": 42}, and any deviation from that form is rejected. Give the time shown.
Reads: {"hour": 1, "minute": 54}
